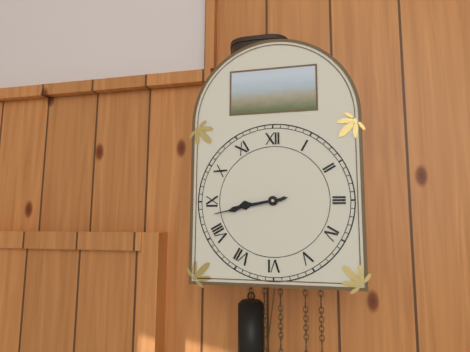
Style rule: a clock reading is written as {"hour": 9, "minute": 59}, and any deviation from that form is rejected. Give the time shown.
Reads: {"hour": 8, "minute": 43}
